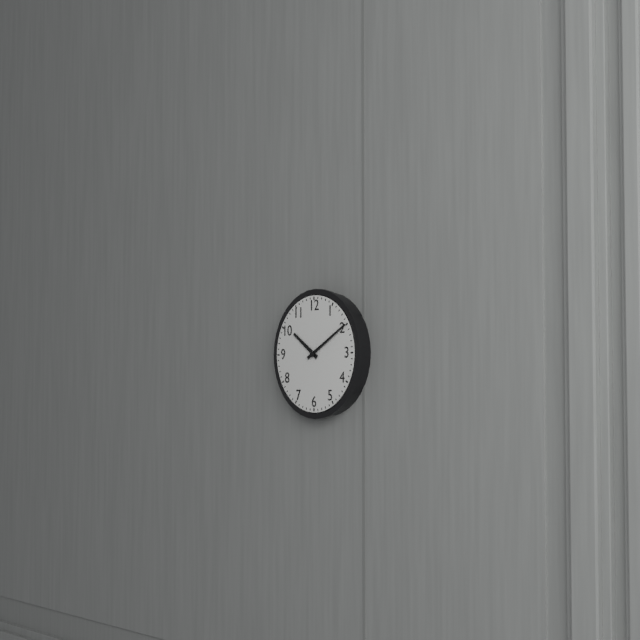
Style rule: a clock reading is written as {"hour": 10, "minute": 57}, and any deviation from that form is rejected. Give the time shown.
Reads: {"hour": 10, "minute": 10}
